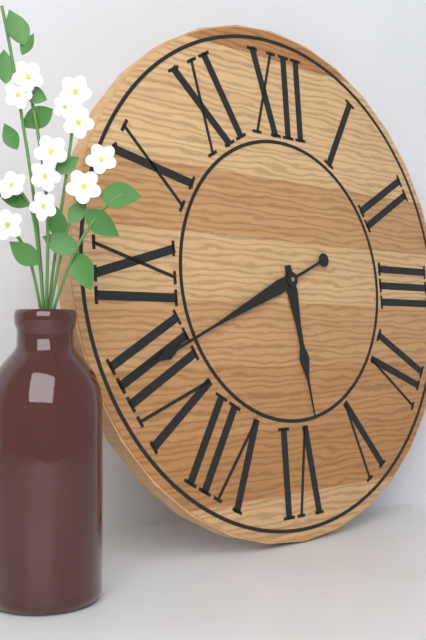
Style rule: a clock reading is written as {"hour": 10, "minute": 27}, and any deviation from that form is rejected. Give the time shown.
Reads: {"hour": 5, "minute": 41}
